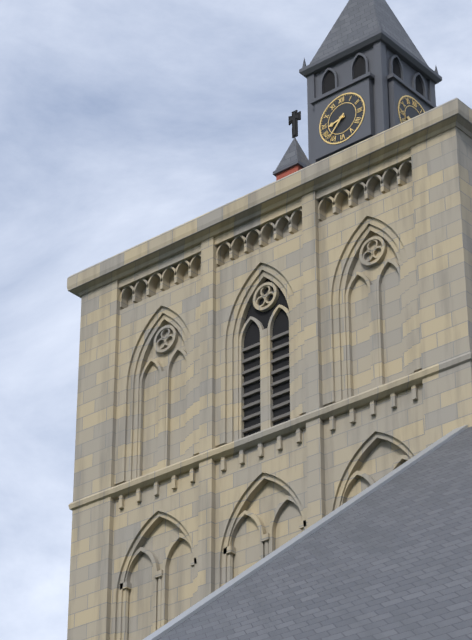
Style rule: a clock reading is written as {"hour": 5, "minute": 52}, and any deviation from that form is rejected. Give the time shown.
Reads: {"hour": 8, "minute": 37}
